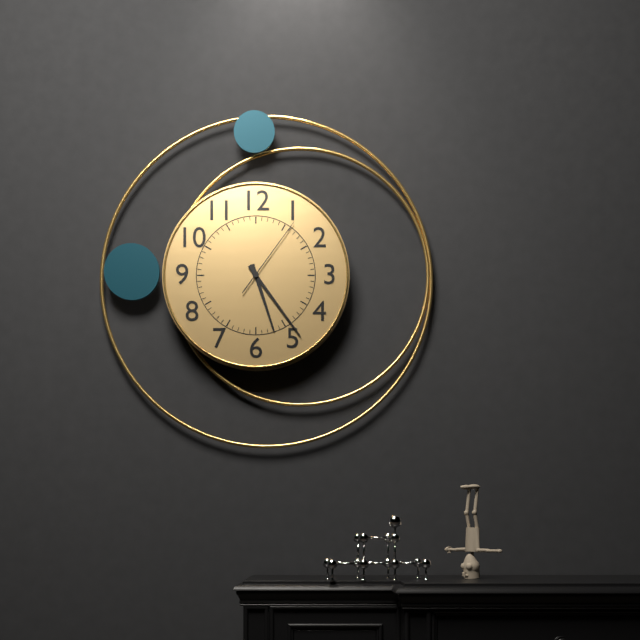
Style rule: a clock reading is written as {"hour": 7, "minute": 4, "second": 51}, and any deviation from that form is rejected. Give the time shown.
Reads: {"hour": 5, "minute": 24, "second": 6}
